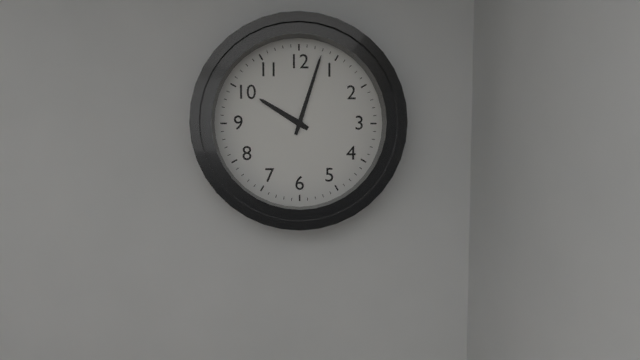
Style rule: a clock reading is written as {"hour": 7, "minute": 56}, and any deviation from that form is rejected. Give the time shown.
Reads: {"hour": 10, "minute": 3}
